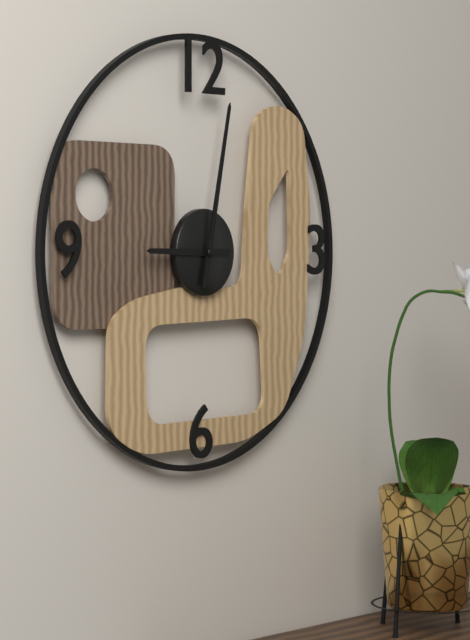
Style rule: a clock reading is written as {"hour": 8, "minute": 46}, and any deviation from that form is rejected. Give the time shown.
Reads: {"hour": 9, "minute": 2}
